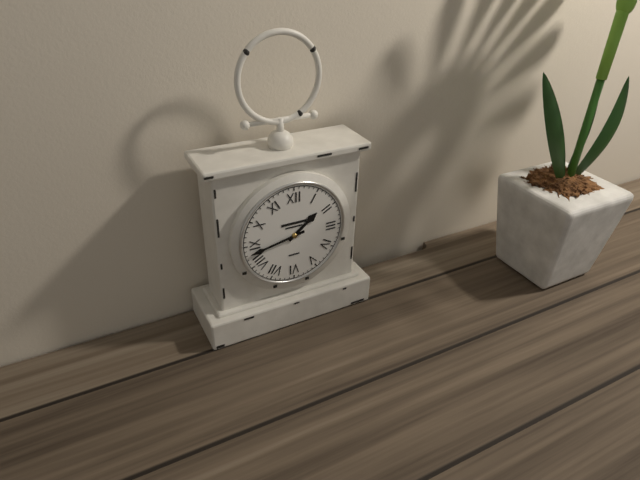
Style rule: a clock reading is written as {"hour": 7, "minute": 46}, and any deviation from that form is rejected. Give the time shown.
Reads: {"hour": 1, "minute": 43}
